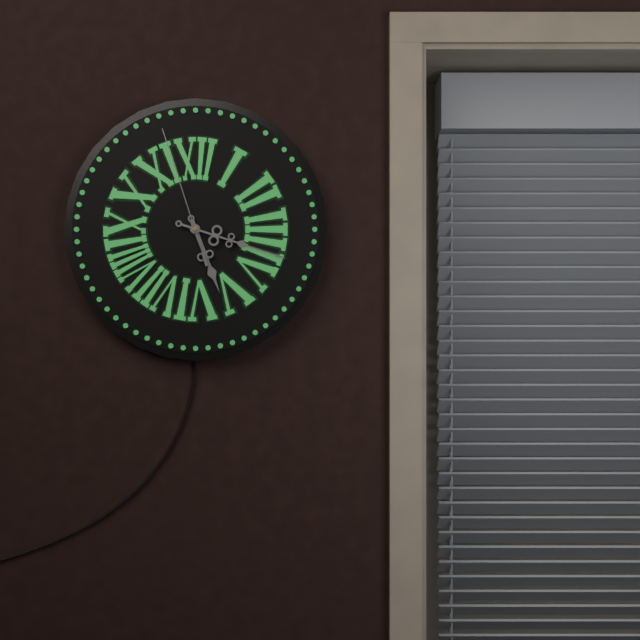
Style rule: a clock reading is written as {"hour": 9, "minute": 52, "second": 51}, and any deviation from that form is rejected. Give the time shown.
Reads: {"hour": 5, "minute": 18, "second": 57}
